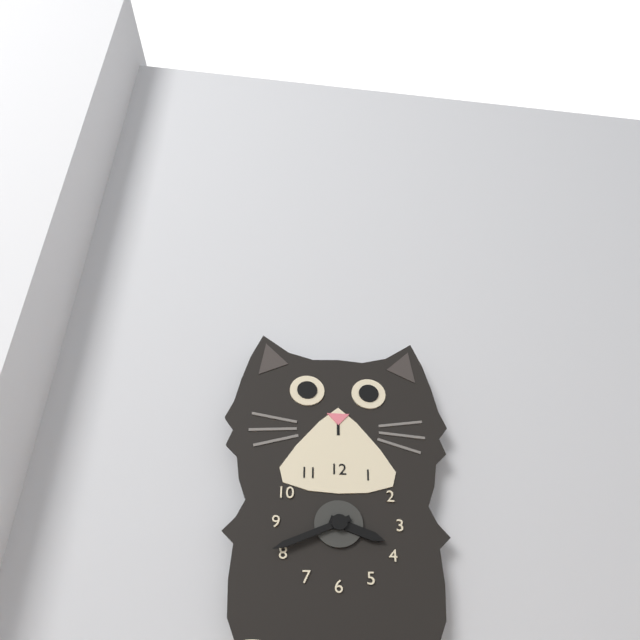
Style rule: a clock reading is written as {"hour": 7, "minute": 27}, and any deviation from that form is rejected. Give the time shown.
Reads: {"hour": 3, "minute": 41}
